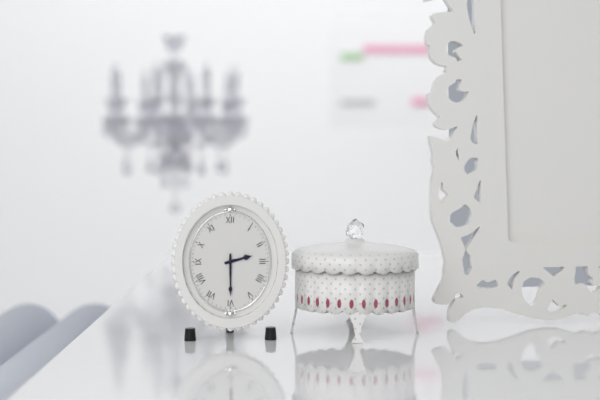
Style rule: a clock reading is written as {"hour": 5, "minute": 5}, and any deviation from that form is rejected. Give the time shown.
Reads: {"hour": 2, "minute": 30}
